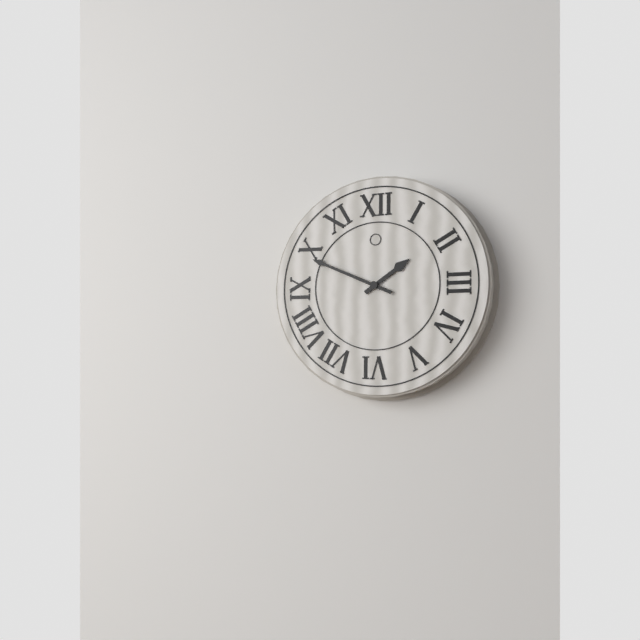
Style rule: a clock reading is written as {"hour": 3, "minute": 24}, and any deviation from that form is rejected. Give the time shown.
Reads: {"hour": 1, "minute": 49}
